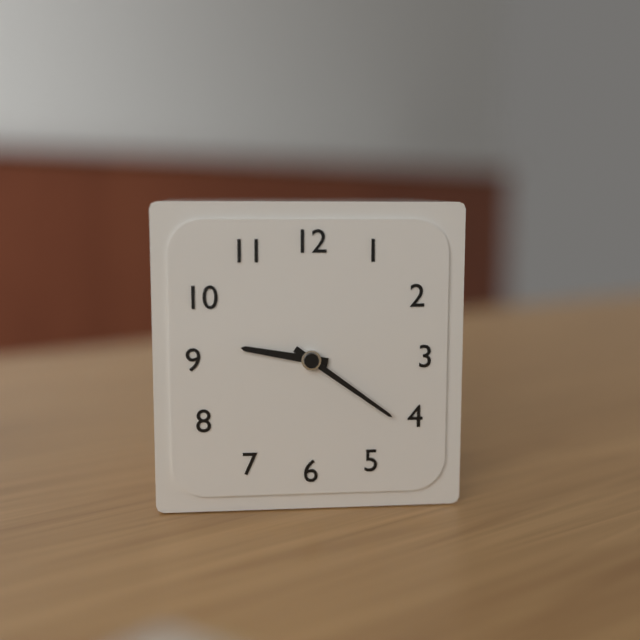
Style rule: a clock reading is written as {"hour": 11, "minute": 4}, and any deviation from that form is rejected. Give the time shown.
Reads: {"hour": 9, "minute": 21}
